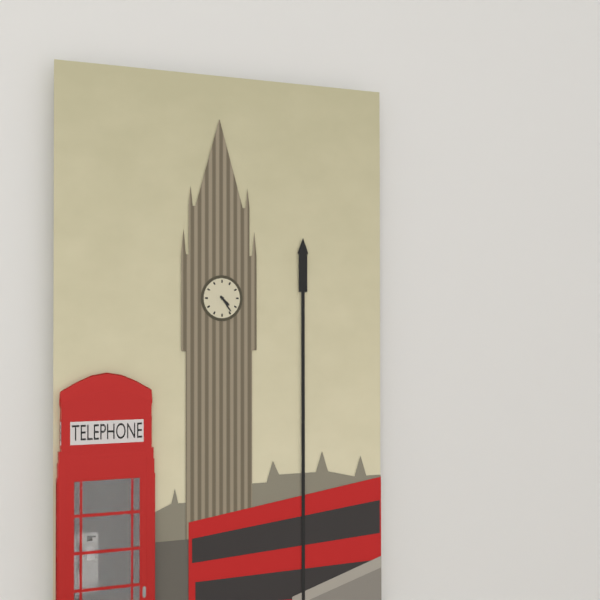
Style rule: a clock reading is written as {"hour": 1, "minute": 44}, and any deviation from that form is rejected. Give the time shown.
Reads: {"hour": 4, "minute": 24}
